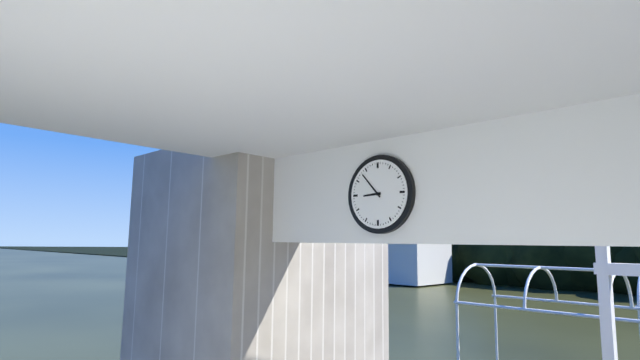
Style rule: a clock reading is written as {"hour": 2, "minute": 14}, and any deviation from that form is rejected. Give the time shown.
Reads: {"hour": 8, "minute": 53}
